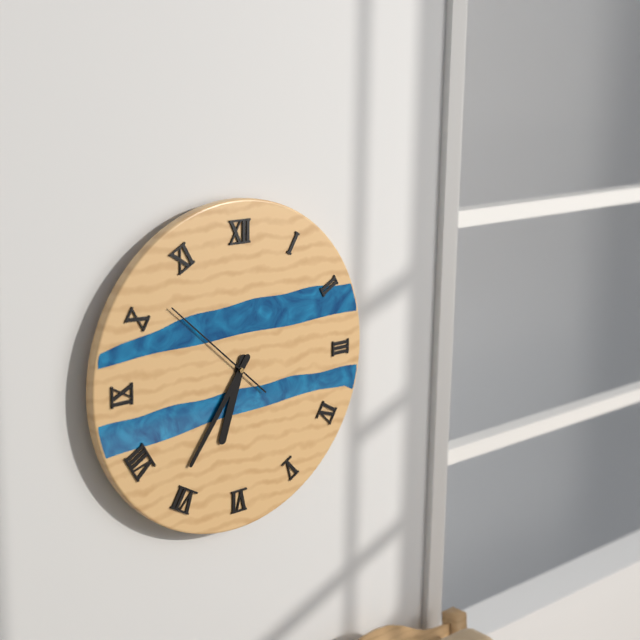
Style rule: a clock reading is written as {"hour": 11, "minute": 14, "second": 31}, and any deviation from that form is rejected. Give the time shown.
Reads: {"hour": 6, "minute": 36, "second": 52}
